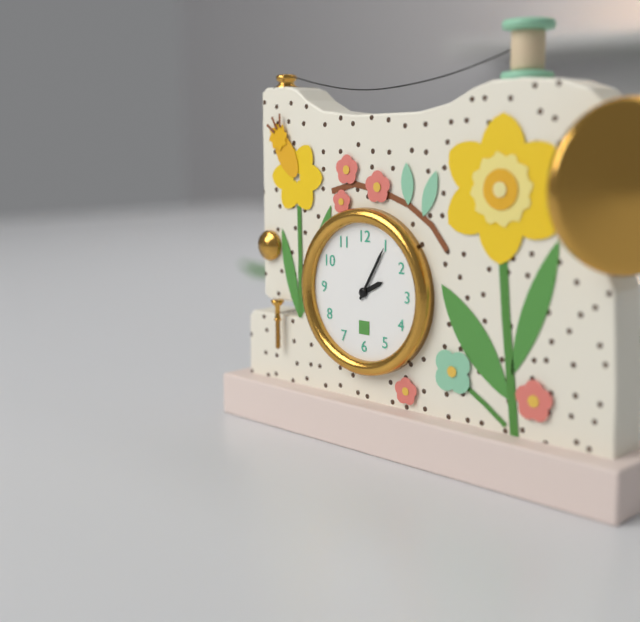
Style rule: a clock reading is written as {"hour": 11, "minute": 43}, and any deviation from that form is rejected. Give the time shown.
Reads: {"hour": 2, "minute": 5}
